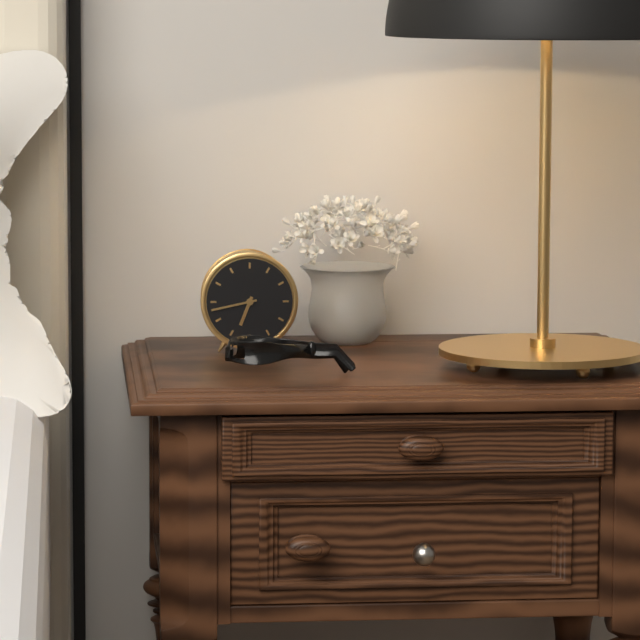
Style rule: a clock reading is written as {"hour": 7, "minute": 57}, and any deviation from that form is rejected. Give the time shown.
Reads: {"hour": 6, "minute": 43}
